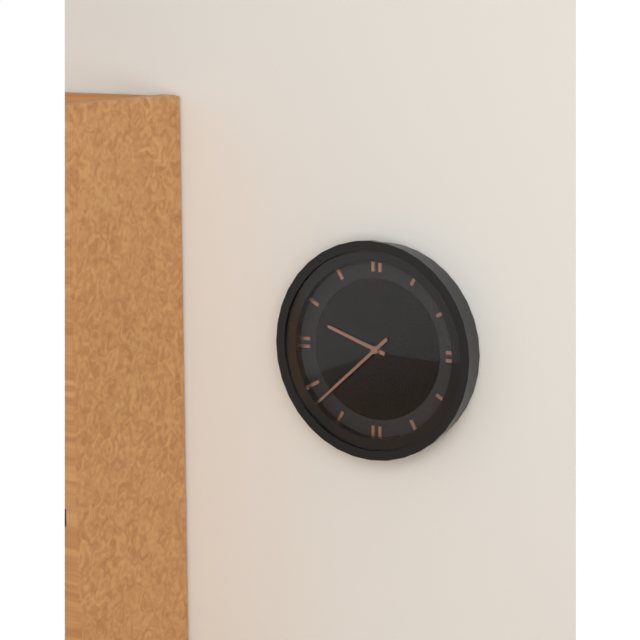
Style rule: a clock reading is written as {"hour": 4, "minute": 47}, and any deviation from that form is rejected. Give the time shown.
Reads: {"hour": 9, "minute": 38}
